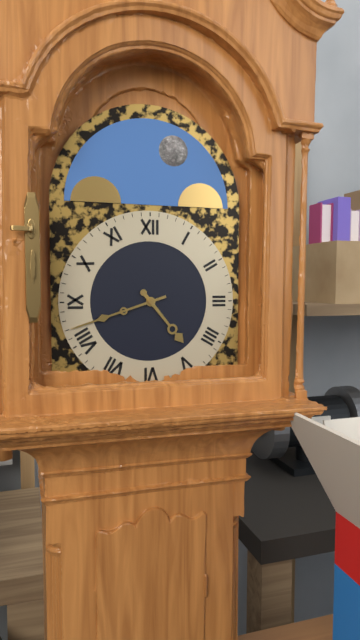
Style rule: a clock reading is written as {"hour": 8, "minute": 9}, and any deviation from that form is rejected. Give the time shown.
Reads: {"hour": 4, "minute": 42}
